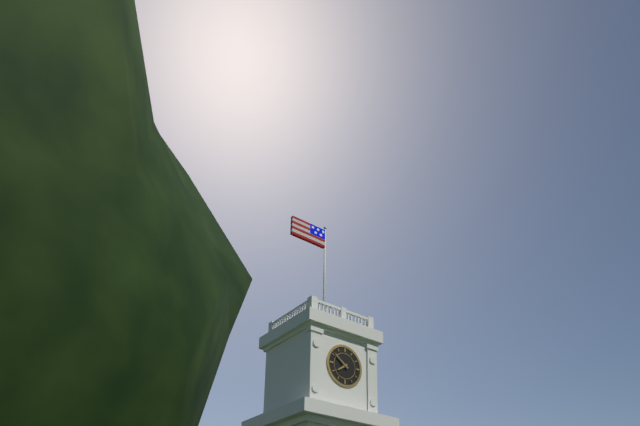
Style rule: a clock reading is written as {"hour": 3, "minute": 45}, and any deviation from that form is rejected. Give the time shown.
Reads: {"hour": 7, "minute": 51}
